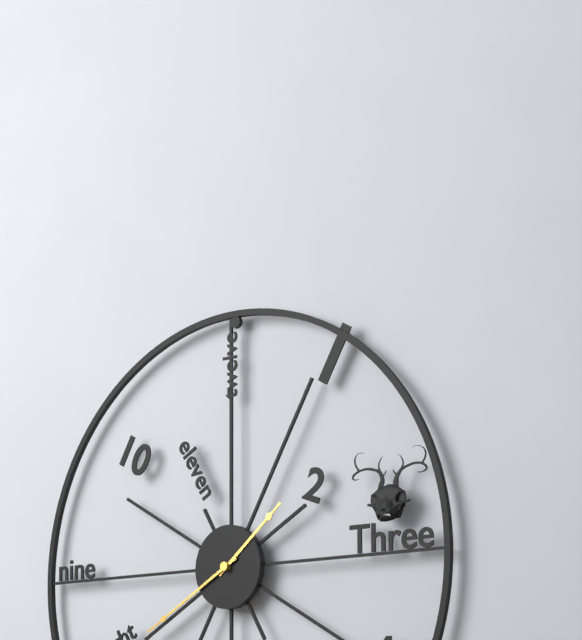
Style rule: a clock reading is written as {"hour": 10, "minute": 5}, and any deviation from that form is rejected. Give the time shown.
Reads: {"hour": 1, "minute": 40}
